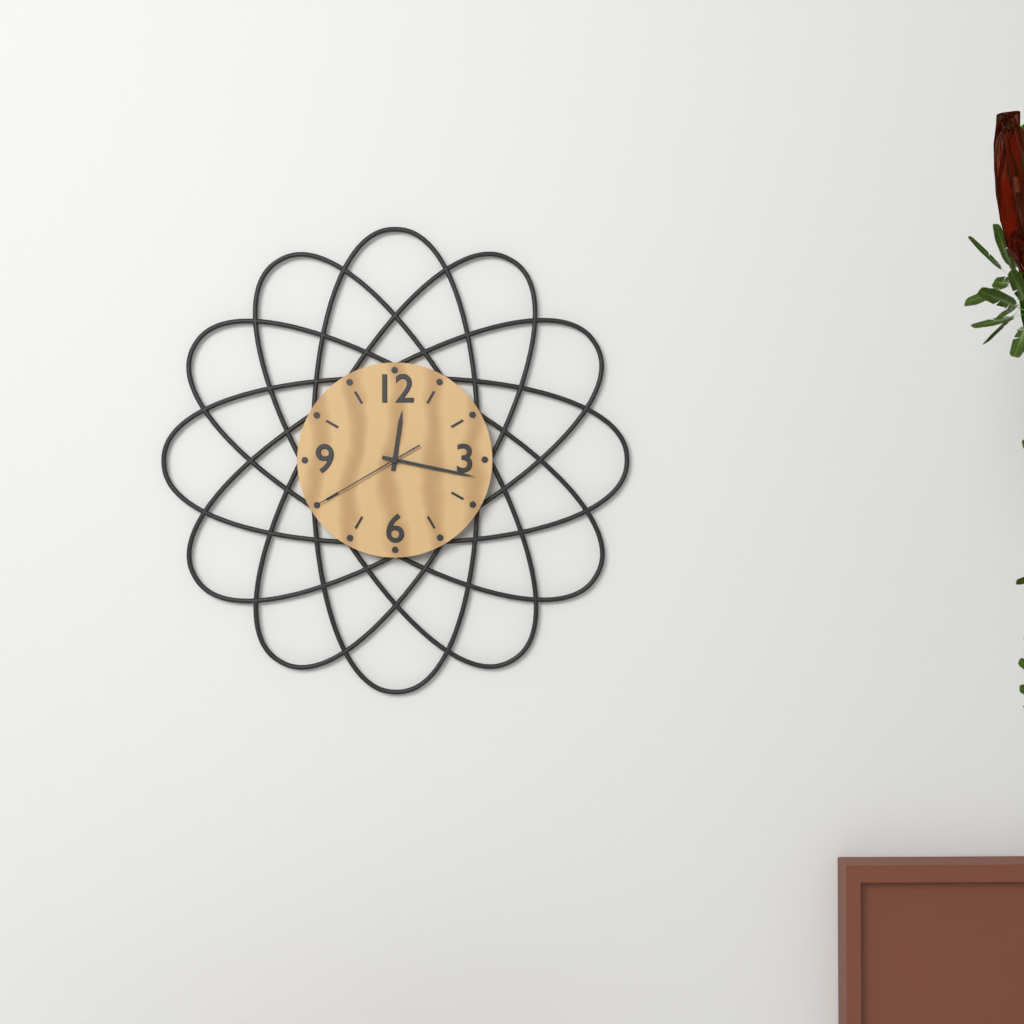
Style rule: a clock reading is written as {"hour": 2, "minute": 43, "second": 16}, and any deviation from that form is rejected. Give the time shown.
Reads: {"hour": 12, "minute": 17, "second": 40}
